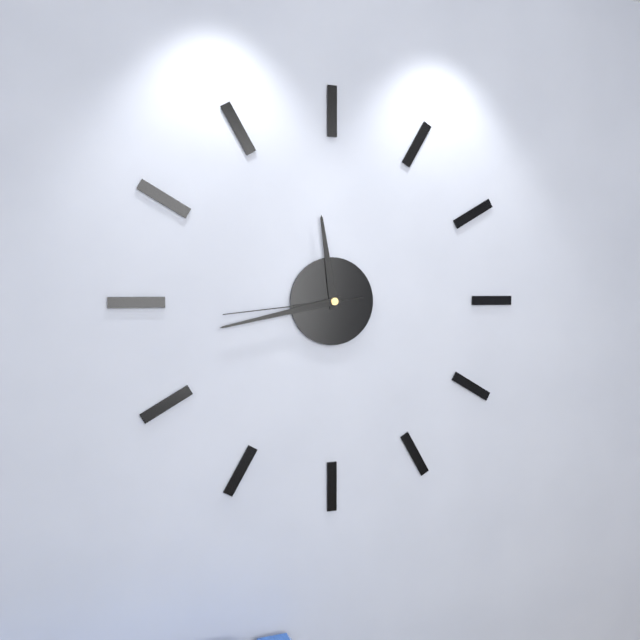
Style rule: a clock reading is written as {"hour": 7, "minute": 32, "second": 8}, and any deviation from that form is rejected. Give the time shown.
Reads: {"hour": 11, "minute": 43, "second": 44}
